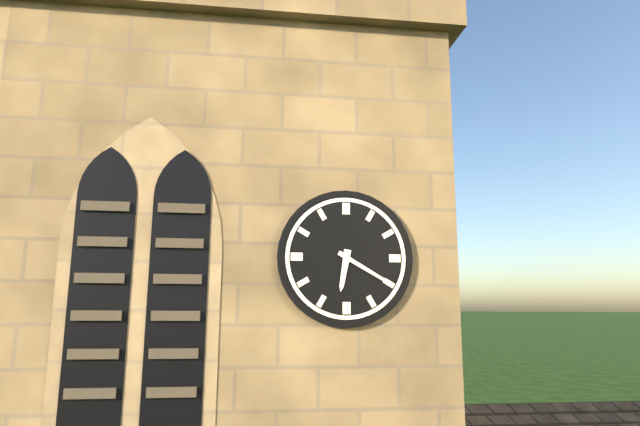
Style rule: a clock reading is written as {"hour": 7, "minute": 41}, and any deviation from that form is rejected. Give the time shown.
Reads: {"hour": 6, "minute": 20}
